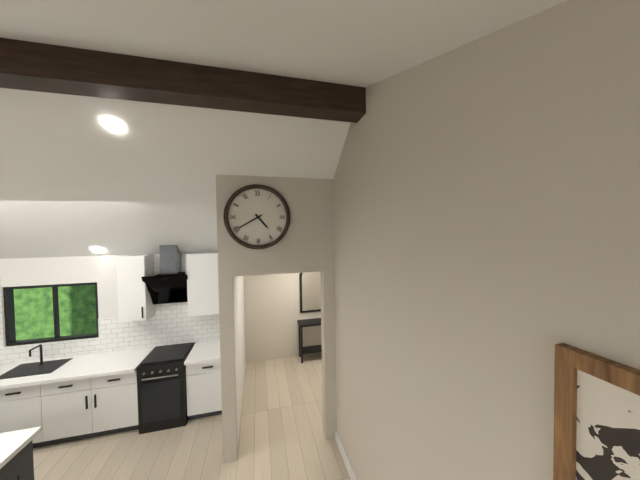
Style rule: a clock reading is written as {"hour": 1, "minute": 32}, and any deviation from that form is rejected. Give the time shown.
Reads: {"hour": 4, "minute": 40}
